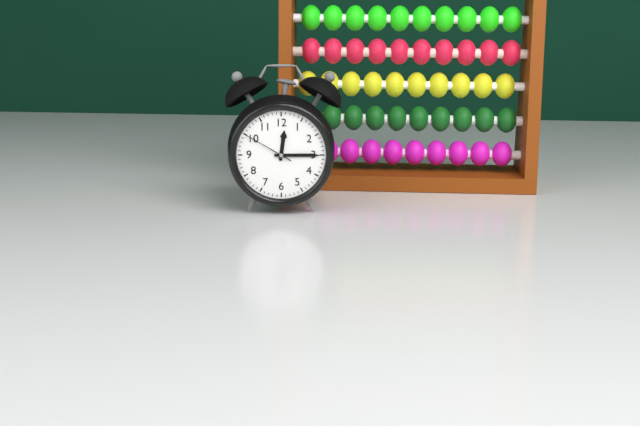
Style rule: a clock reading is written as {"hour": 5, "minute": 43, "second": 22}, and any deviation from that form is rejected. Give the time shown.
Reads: {"hour": 12, "minute": 15, "second": 50}
